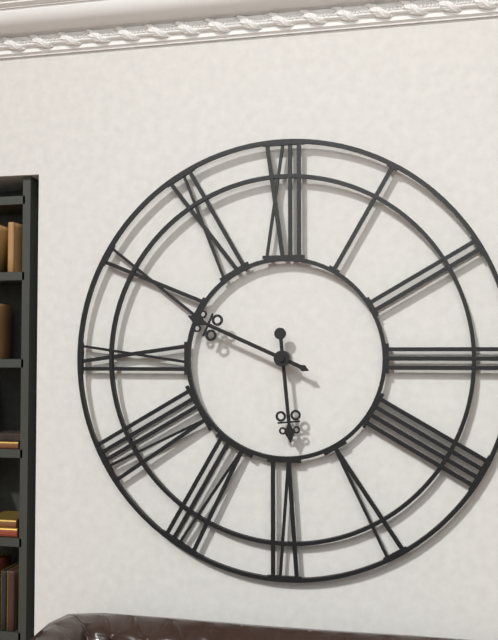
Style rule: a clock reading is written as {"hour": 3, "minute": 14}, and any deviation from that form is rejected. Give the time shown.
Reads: {"hour": 5, "minute": 49}
